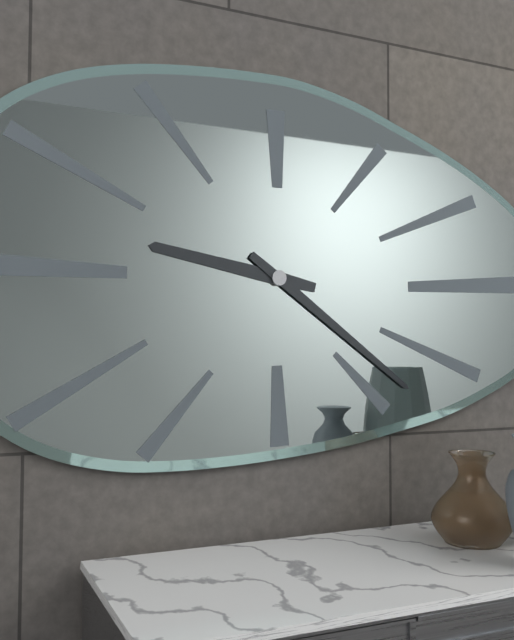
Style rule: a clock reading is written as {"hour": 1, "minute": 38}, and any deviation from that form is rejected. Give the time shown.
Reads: {"hour": 9, "minute": 21}
